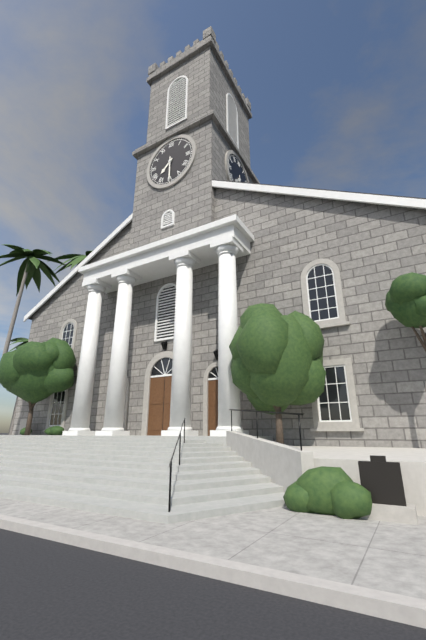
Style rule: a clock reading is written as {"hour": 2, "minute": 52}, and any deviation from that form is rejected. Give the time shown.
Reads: {"hour": 7, "minute": 30}
